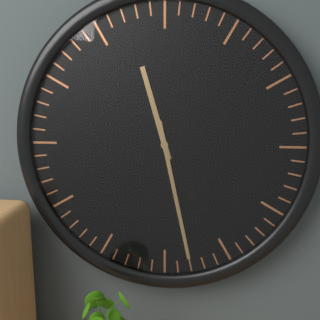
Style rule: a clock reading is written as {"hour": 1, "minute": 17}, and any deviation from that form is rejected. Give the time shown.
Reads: {"hour": 11, "minute": 28}
